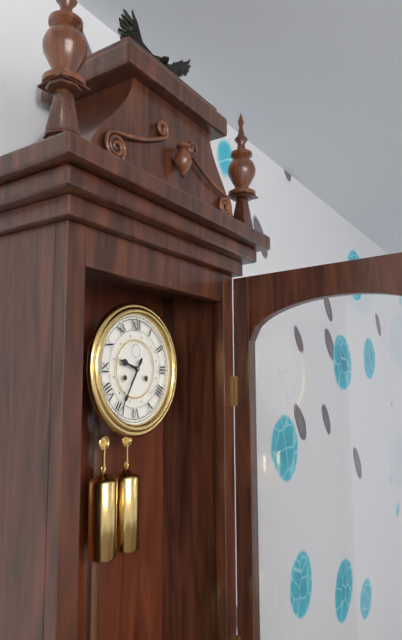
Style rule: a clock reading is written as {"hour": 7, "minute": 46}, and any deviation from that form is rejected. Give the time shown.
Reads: {"hour": 9, "minute": 35}
